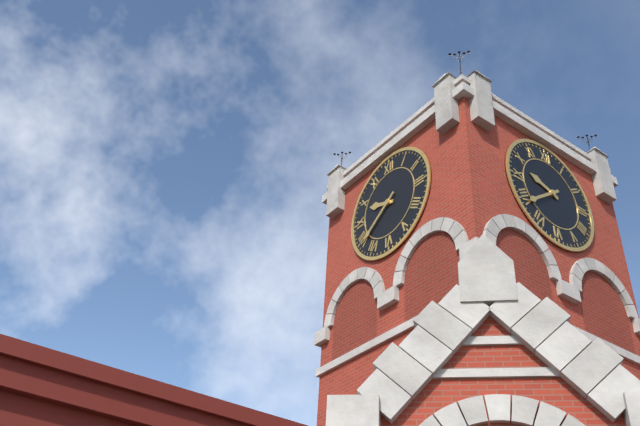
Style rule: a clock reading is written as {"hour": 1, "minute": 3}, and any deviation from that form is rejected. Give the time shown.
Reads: {"hour": 9, "minute": 39}
